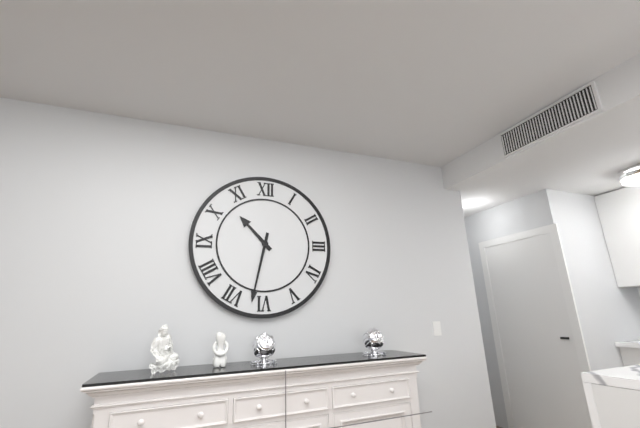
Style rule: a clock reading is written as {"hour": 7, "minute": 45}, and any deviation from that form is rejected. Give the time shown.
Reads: {"hour": 10, "minute": 32}
